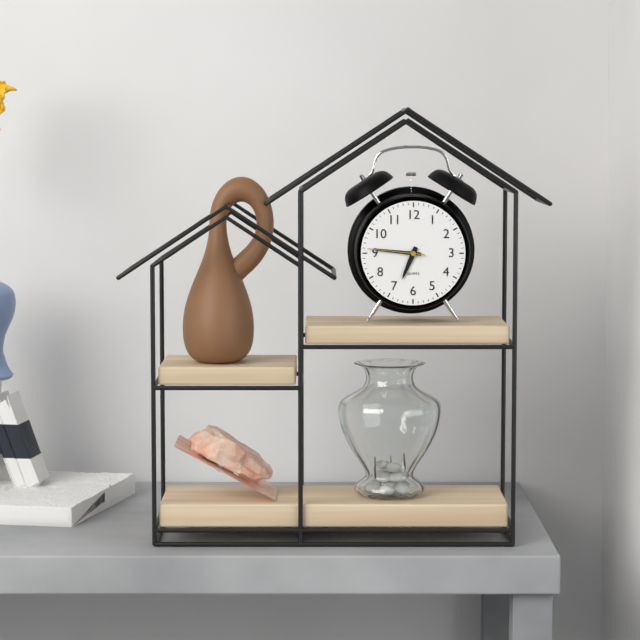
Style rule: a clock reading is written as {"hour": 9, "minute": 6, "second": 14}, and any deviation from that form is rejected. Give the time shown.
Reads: {"hour": 6, "minute": 46, "second": 46}
